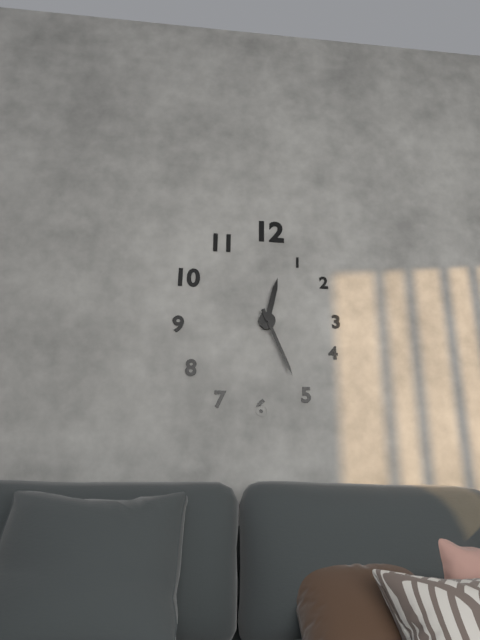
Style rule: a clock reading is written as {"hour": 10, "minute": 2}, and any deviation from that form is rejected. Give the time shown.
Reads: {"hour": 12, "minute": 26}
